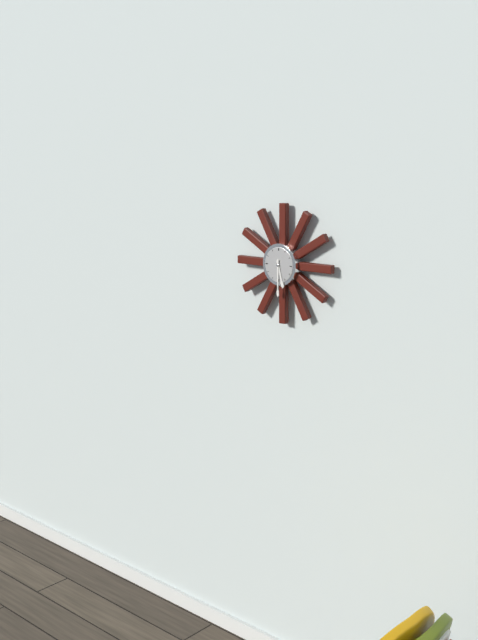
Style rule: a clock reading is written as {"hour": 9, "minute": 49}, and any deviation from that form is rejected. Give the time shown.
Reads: {"hour": 5, "minute": 30}
